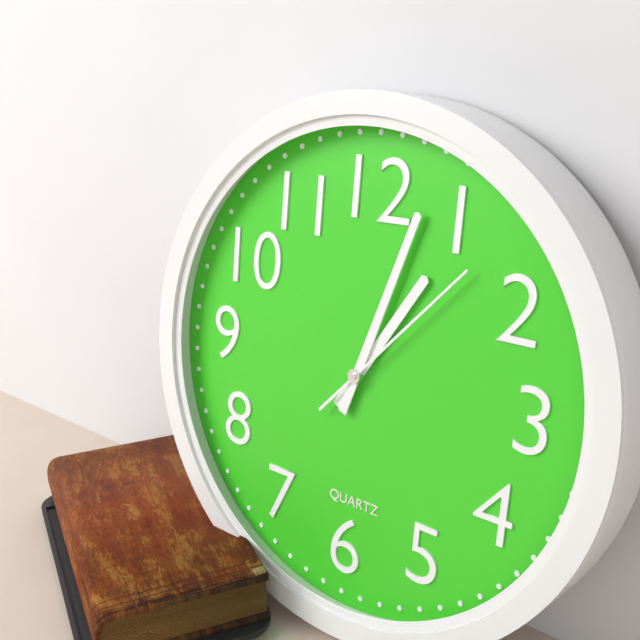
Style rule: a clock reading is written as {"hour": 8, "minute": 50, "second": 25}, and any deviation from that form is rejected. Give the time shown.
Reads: {"hour": 1, "minute": 3, "second": 7}
